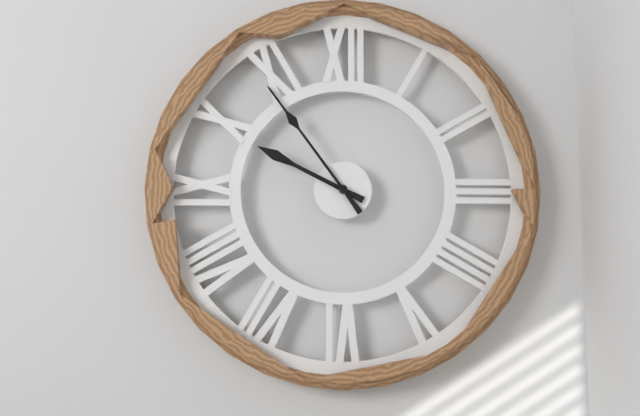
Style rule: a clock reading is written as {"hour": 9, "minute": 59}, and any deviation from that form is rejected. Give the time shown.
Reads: {"hour": 9, "minute": 54}
